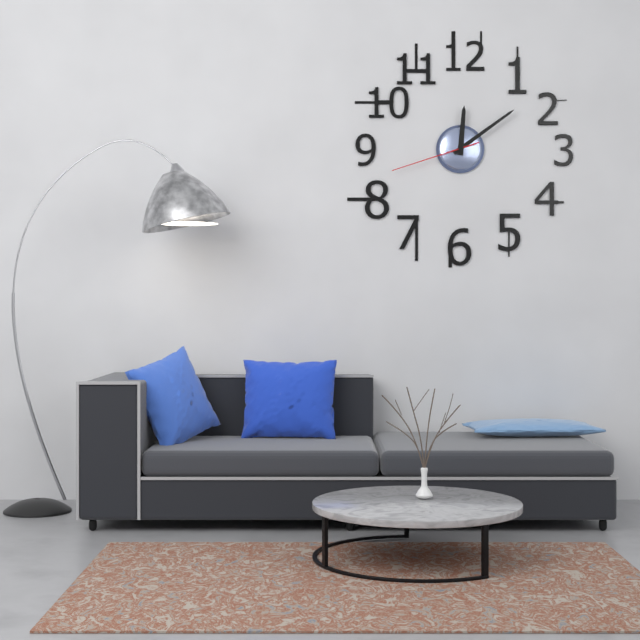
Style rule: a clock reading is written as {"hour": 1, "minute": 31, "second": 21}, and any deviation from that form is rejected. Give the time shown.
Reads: {"hour": 12, "minute": 9, "second": 42}
